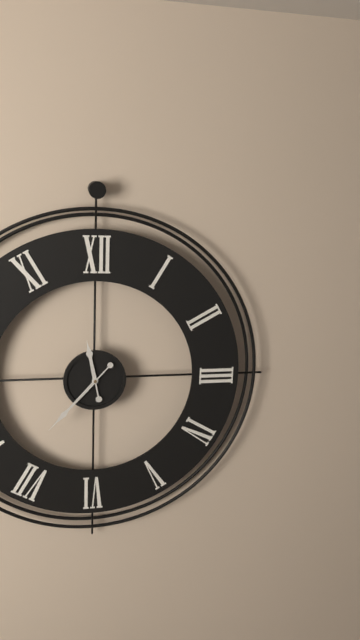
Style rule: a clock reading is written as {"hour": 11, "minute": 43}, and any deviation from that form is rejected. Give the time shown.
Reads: {"hour": 11, "minute": 37}
